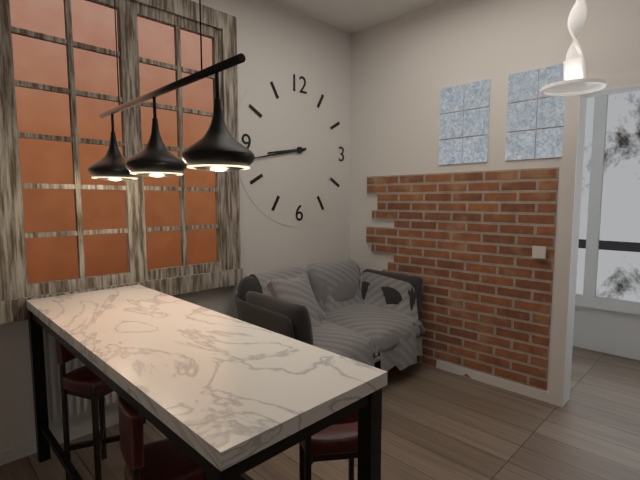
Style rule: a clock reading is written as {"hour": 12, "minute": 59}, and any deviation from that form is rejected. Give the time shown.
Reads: {"hour": 8, "minute": 43}
